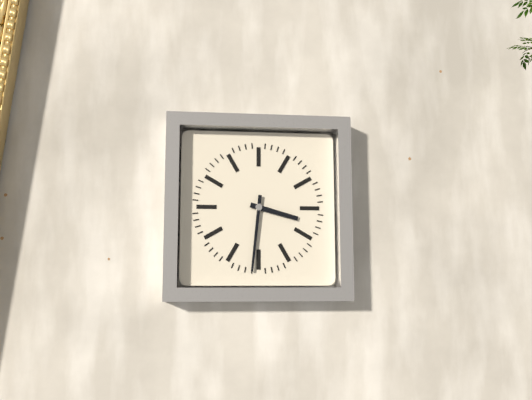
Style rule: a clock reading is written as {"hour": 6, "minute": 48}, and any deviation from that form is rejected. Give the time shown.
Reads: {"hour": 3, "minute": 31}
